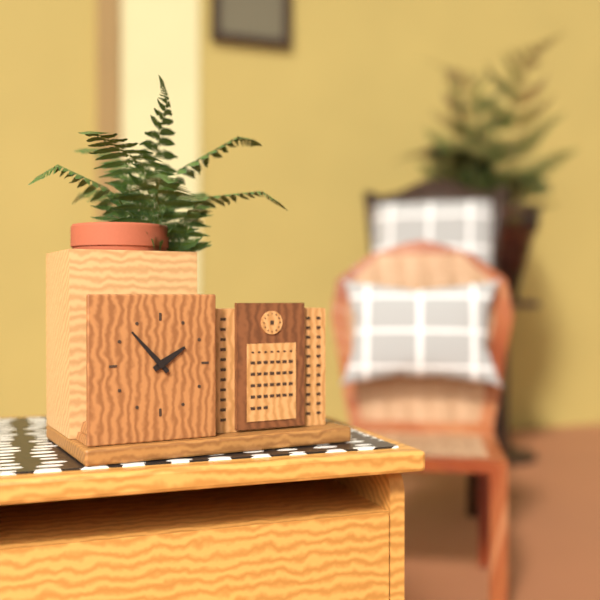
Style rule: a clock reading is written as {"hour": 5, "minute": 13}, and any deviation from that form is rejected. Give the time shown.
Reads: {"hour": 1, "minute": 53}
